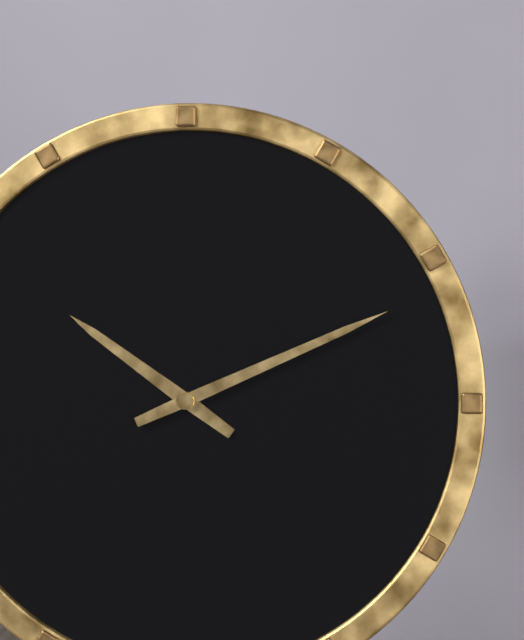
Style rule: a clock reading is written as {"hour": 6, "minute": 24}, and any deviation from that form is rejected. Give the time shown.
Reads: {"hour": 10, "minute": 11}
